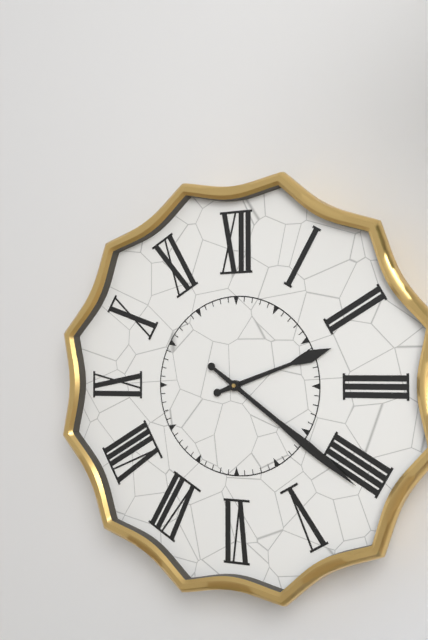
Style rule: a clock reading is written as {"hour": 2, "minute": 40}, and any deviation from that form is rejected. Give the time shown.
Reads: {"hour": 2, "minute": 21}
